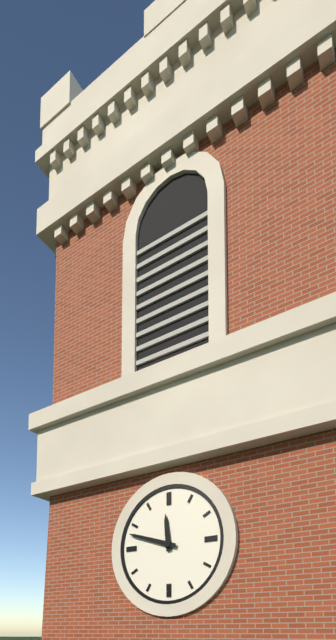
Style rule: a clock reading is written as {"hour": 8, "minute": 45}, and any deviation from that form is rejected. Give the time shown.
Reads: {"hour": 11, "minute": 48}
